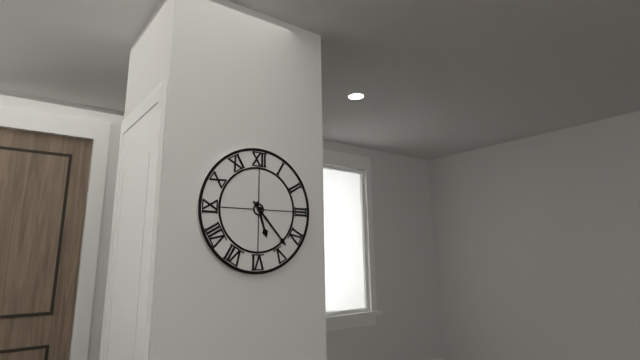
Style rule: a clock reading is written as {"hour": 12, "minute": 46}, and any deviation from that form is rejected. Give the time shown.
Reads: {"hour": 5, "minute": 23}
